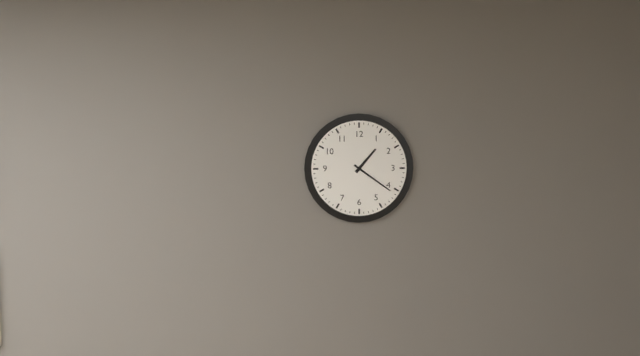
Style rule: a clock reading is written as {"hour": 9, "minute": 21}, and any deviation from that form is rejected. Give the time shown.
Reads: {"hour": 1, "minute": 21}
